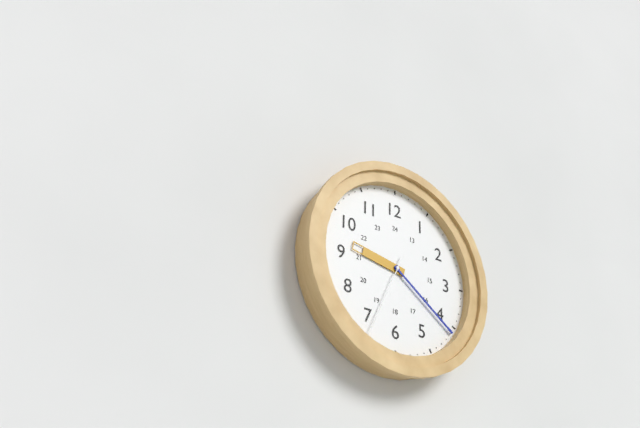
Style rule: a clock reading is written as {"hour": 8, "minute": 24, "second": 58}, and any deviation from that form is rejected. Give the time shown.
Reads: {"hour": 9, "minute": 21, "second": 34}
